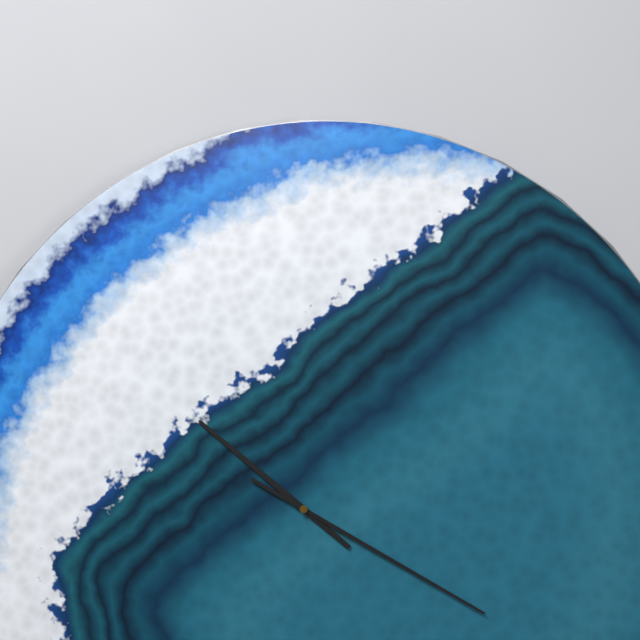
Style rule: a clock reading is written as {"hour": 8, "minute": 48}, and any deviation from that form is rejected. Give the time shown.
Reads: {"hour": 10, "minute": 20}
